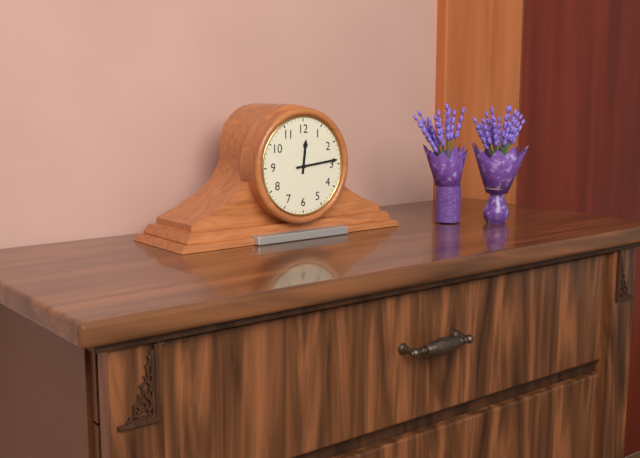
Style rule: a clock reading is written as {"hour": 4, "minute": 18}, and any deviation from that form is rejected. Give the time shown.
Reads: {"hour": 12, "minute": 14}
